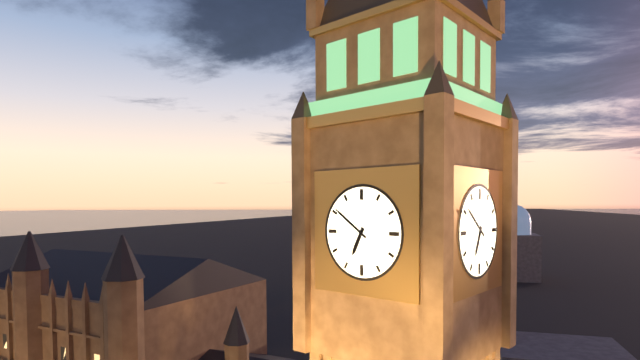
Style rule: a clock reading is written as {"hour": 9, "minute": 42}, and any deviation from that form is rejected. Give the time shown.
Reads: {"hour": 6, "minute": 51}
